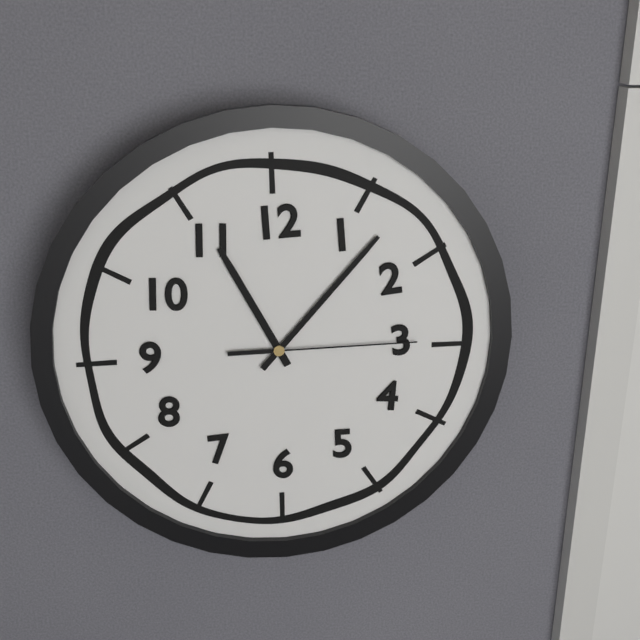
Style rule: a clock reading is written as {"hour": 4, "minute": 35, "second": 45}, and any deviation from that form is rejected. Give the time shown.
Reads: {"hour": 11, "minute": 7, "second": 15}
